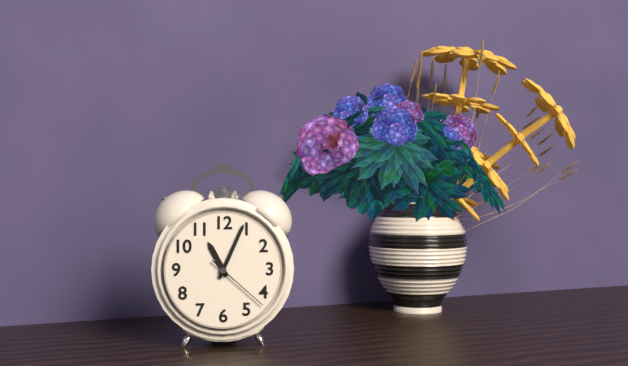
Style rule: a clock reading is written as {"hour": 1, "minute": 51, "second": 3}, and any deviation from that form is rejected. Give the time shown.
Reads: {"hour": 11, "minute": 4, "second": 22}
